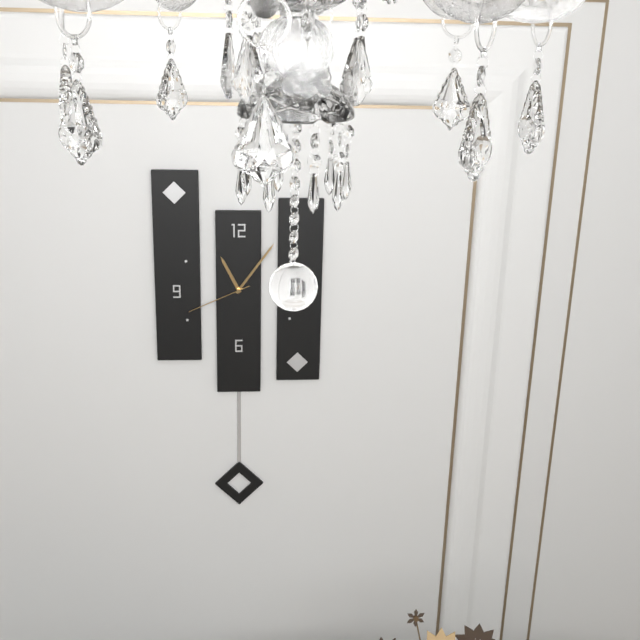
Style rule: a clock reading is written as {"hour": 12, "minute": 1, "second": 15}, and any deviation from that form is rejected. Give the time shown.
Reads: {"hour": 11, "minute": 6, "second": 41}
